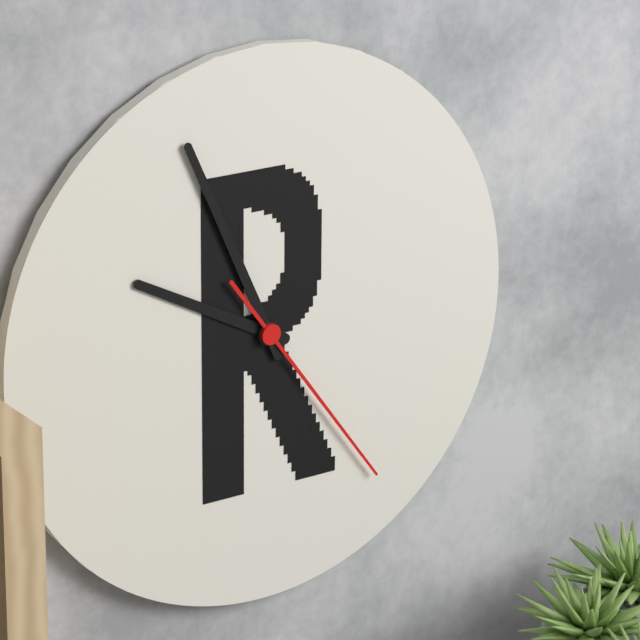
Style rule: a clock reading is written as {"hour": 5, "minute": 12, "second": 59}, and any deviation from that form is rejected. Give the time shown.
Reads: {"hour": 9, "minute": 56, "second": 24}
